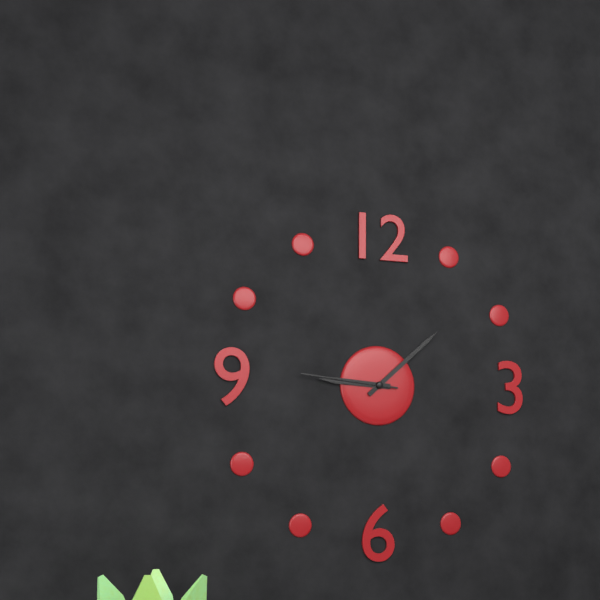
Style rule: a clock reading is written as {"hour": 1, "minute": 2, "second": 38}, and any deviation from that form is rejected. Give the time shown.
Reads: {"hour": 9, "minute": 8, "second": 46}
